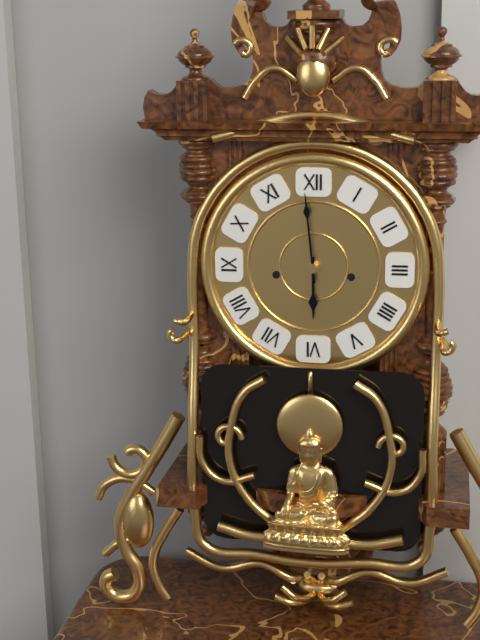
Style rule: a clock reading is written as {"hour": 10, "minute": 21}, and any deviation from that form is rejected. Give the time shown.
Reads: {"hour": 5, "minute": 59}
